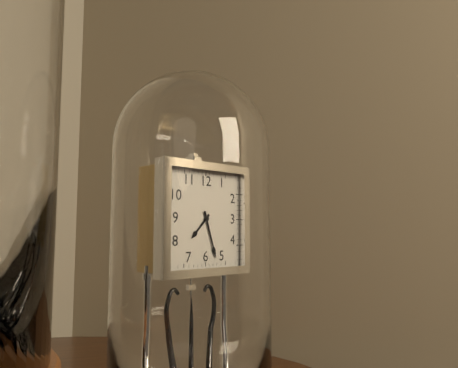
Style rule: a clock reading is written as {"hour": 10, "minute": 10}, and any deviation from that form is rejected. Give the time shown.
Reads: {"hour": 7, "minute": 27}
